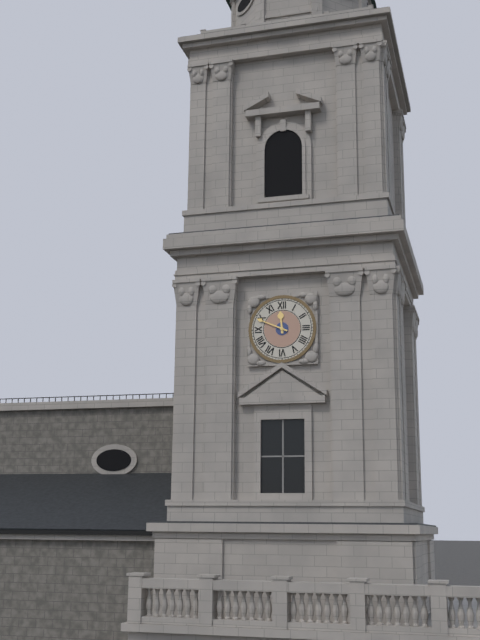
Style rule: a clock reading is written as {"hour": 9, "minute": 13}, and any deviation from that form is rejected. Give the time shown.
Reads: {"hour": 11, "minute": 49}
